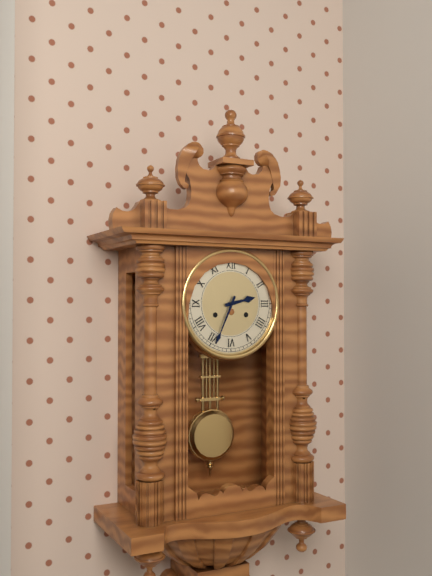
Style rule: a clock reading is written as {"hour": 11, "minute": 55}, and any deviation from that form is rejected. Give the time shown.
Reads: {"hour": 2, "minute": 34}
